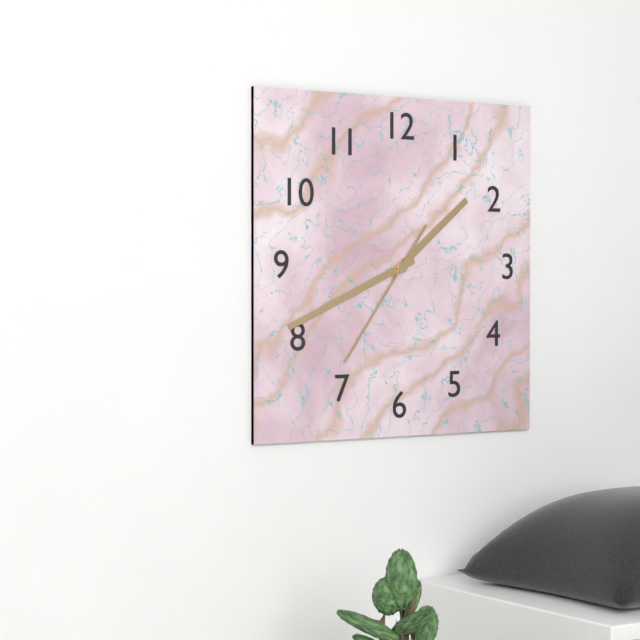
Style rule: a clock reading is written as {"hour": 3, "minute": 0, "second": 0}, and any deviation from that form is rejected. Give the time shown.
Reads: {"hour": 1, "minute": 41, "second": 36}
